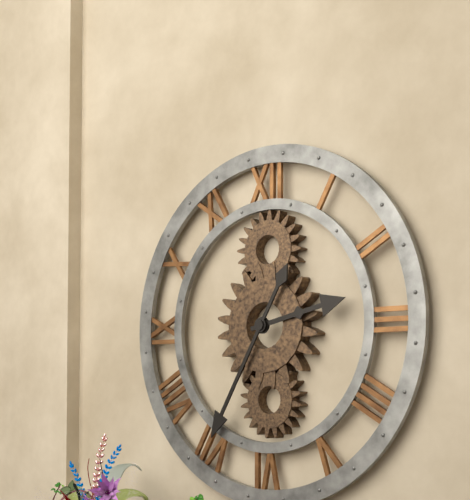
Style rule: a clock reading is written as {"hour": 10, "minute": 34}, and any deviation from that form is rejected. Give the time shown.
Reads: {"hour": 2, "minute": 35}
